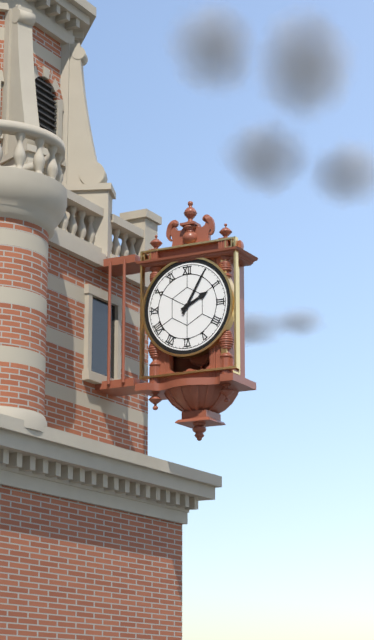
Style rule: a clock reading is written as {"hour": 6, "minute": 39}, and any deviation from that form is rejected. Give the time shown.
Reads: {"hour": 2, "minute": 5}
